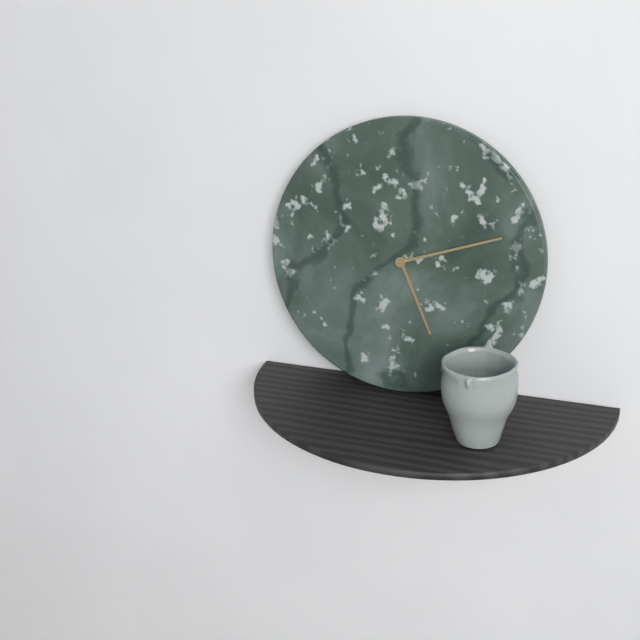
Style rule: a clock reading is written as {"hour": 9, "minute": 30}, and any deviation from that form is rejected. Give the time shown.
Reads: {"hour": 5, "minute": 12}
